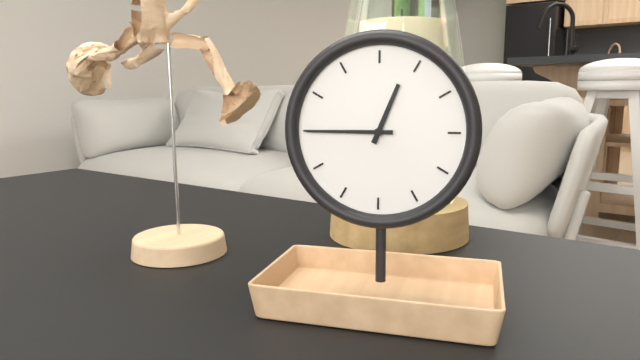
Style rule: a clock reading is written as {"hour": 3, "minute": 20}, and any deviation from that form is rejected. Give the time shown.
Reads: {"hour": 12, "minute": 45}
